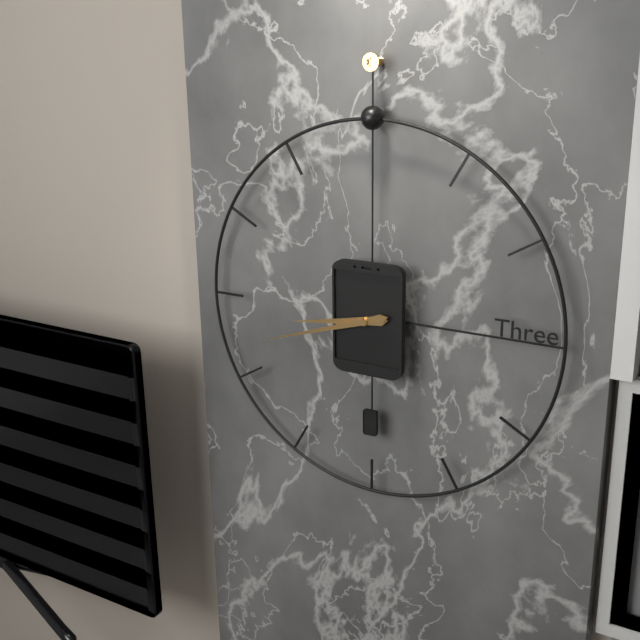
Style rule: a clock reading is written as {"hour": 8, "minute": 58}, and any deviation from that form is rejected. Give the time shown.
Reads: {"hour": 8, "minute": 42}
